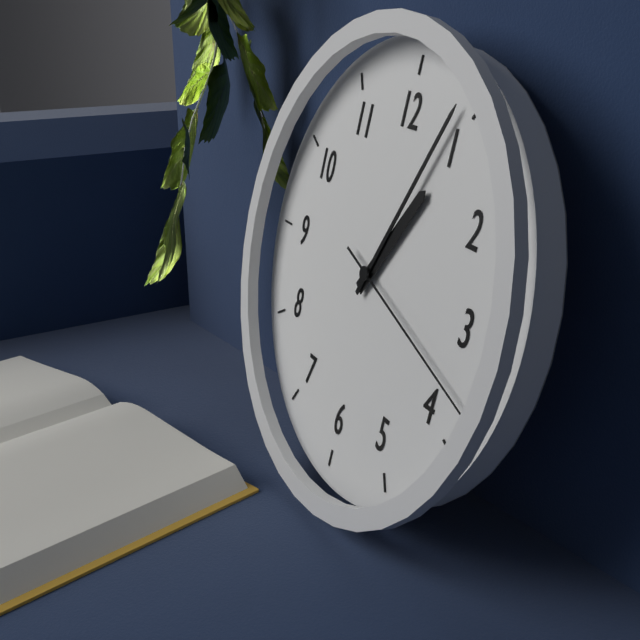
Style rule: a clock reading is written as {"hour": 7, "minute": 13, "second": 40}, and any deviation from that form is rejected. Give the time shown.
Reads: {"hour": 1, "minute": 4, "second": 18}
